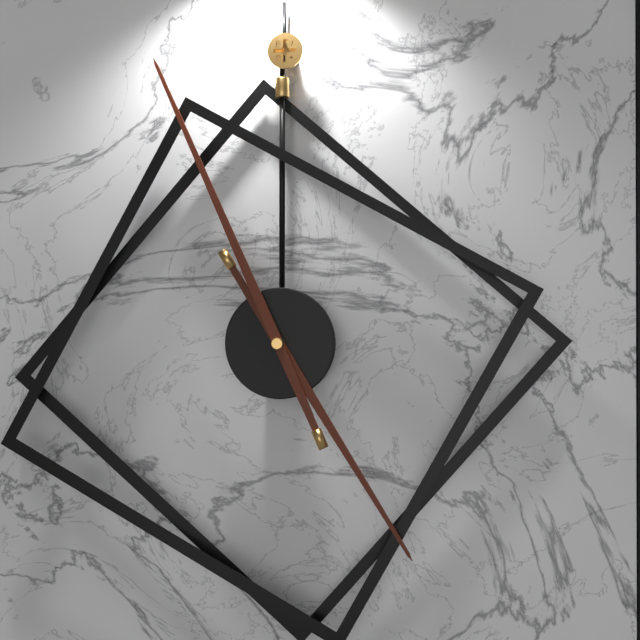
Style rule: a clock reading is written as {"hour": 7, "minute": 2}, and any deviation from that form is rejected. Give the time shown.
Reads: {"hour": 4, "minute": 56}
